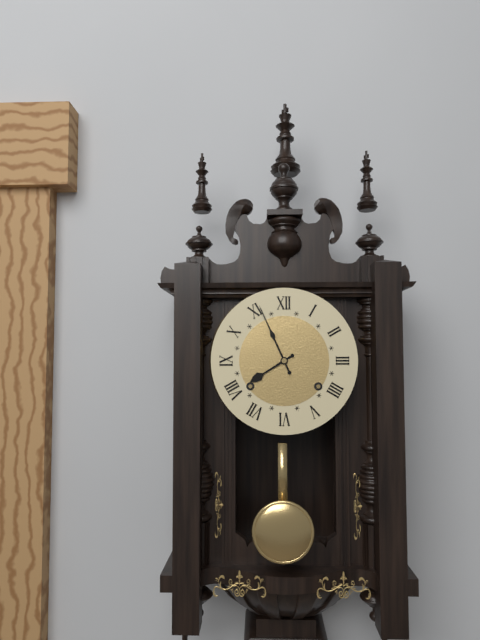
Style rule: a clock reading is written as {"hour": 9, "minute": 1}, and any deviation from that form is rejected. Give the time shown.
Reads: {"hour": 7, "minute": 56}
